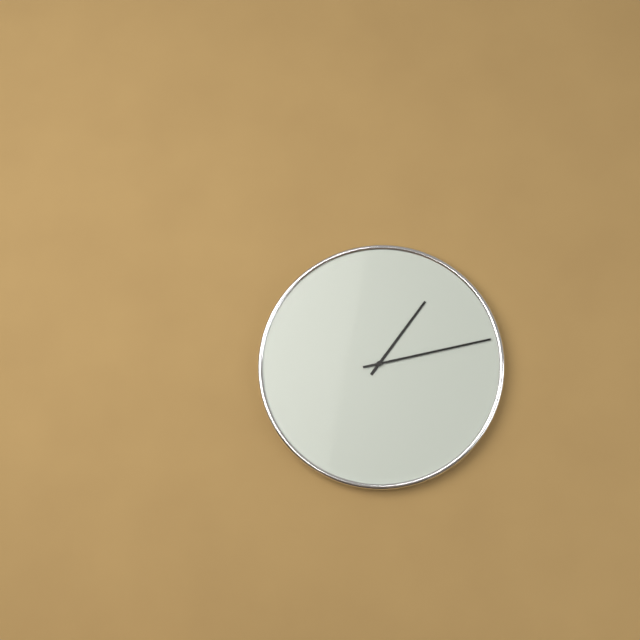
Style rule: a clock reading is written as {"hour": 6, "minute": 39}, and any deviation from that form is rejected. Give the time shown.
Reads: {"hour": 1, "minute": 13}
